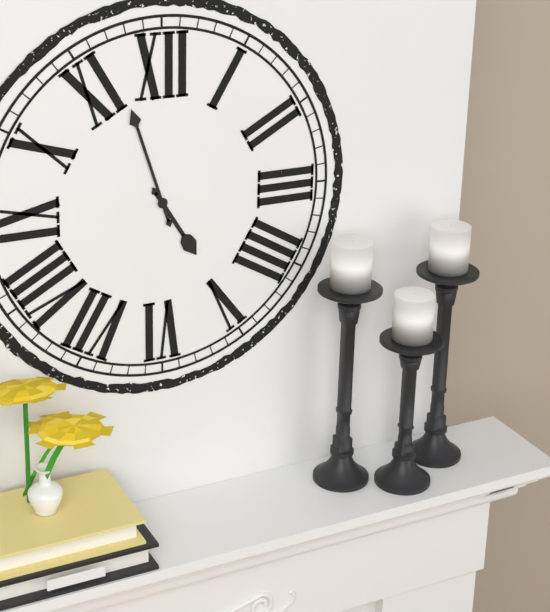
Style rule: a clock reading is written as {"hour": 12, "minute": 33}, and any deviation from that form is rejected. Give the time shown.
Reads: {"hour": 4, "minute": 57}
